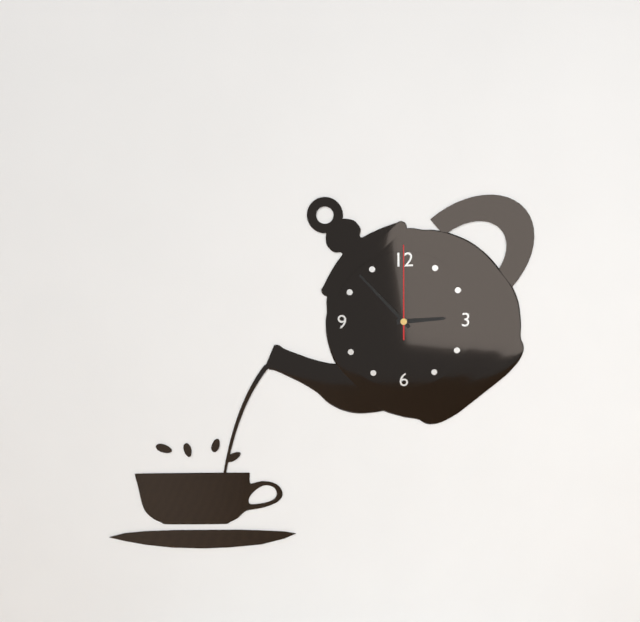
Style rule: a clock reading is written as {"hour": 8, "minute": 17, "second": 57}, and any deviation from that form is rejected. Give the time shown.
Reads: {"hour": 2, "minute": 53, "second": 0}
